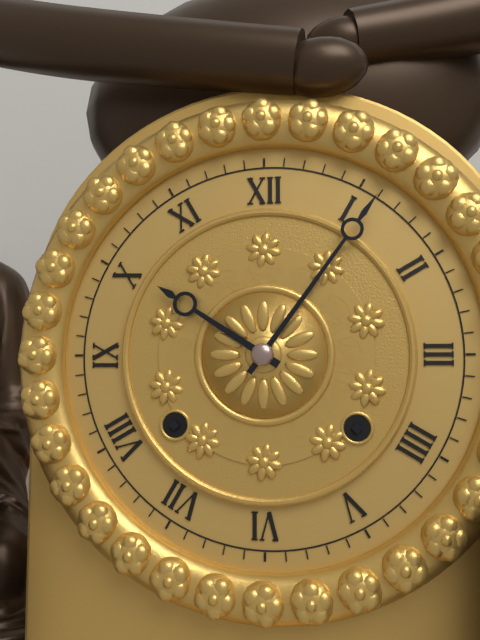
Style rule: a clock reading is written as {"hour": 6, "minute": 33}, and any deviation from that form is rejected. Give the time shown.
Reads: {"hour": 10, "minute": 6}
